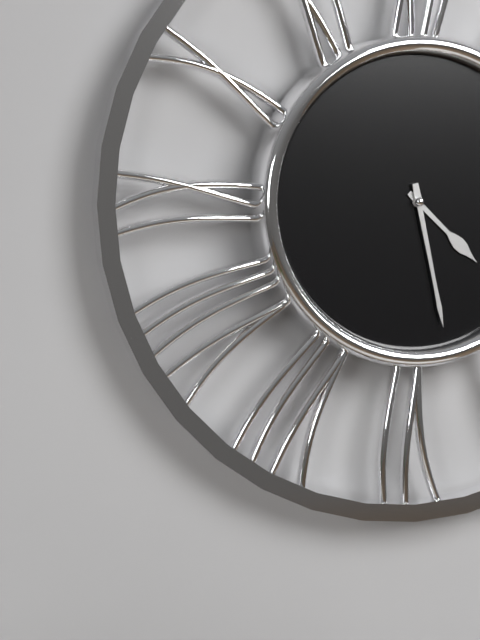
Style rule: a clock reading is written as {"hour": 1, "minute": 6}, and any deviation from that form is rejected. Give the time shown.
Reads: {"hour": 4, "minute": 28}
